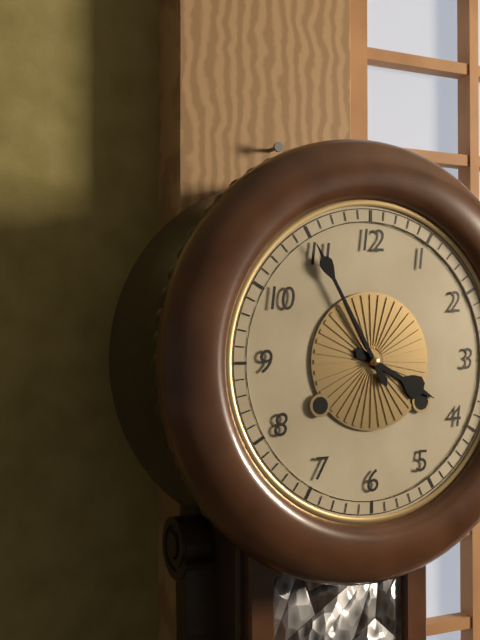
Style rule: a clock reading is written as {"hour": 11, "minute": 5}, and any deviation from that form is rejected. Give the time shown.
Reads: {"hour": 3, "minute": 55}
